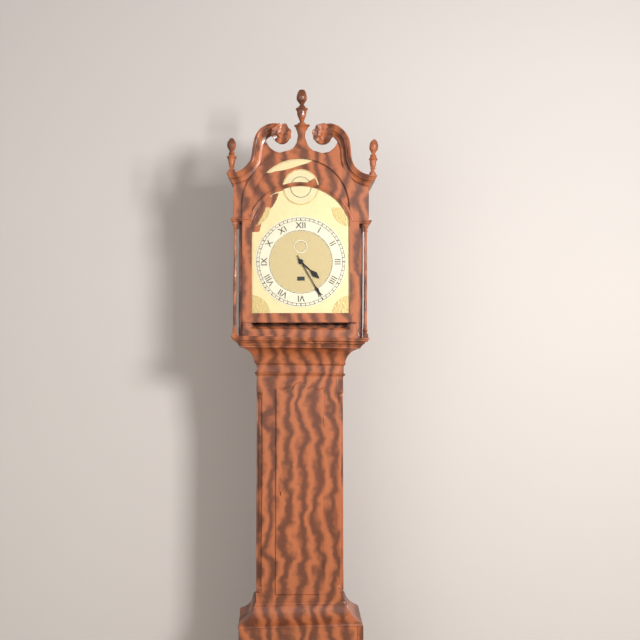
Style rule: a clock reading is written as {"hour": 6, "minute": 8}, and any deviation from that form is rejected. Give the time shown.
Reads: {"hour": 4, "minute": 25}
